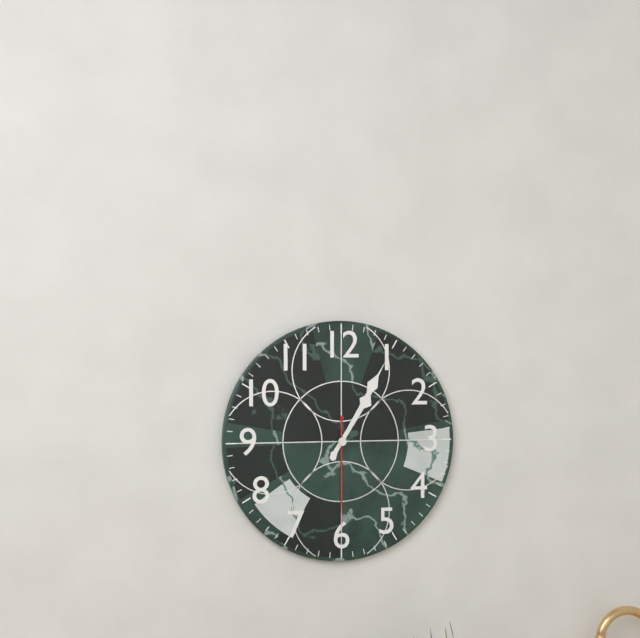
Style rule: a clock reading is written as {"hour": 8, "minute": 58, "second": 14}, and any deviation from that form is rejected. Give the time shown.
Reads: {"hour": 1, "minute": 5, "second": 30}
